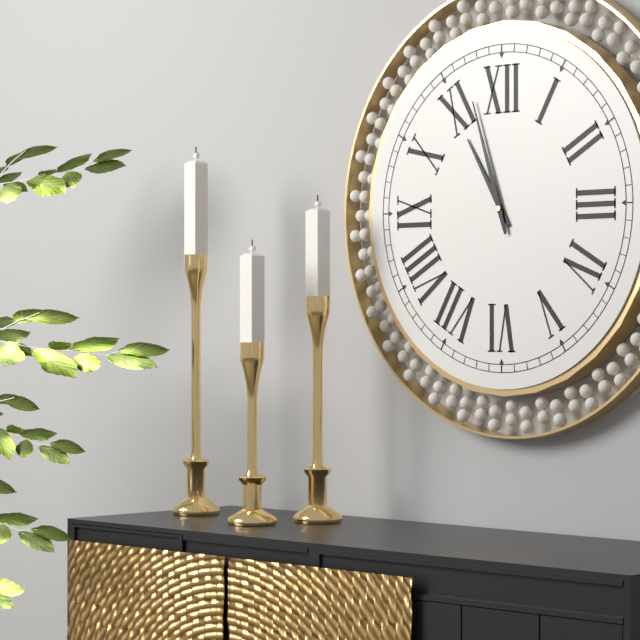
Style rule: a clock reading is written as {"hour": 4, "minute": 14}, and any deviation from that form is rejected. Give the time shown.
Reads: {"hour": 10, "minute": 57}
